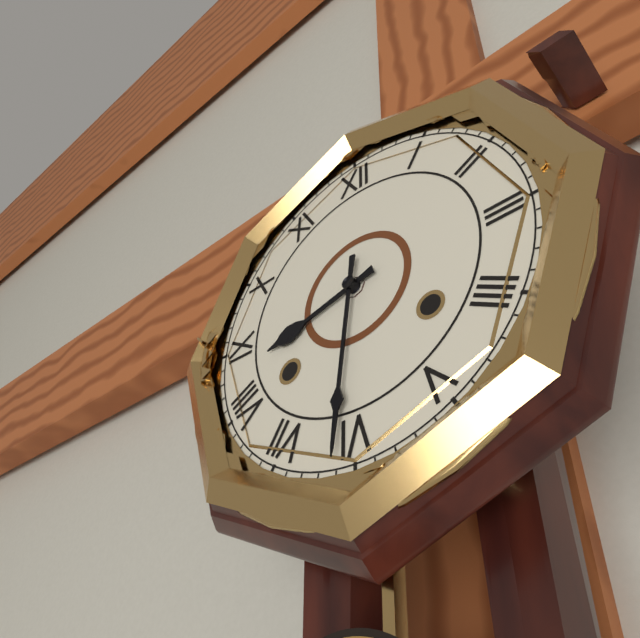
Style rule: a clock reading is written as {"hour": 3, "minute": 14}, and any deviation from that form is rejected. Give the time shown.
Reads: {"hour": 8, "minute": 31}
